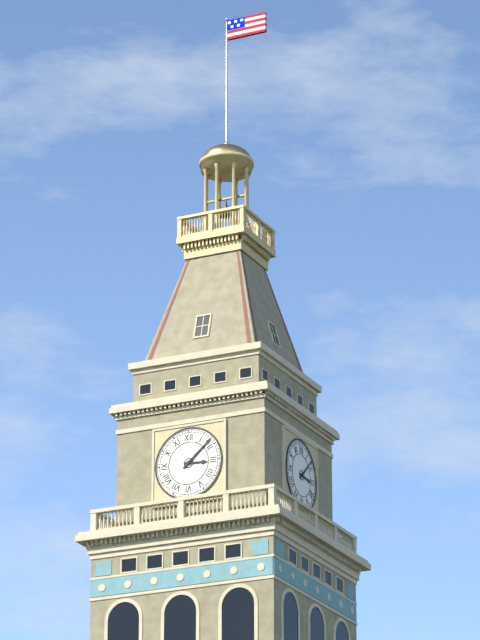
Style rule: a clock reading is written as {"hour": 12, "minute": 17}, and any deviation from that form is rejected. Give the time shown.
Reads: {"hour": 3, "minute": 8}
